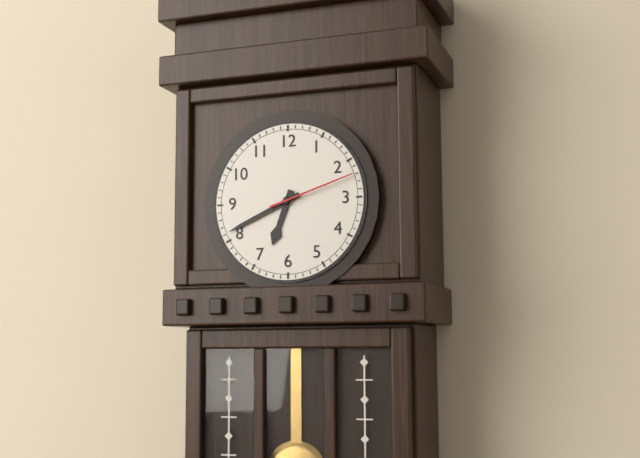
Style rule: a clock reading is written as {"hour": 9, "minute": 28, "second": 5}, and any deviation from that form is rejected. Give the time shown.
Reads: {"hour": 6, "minute": 41, "second": 12}
